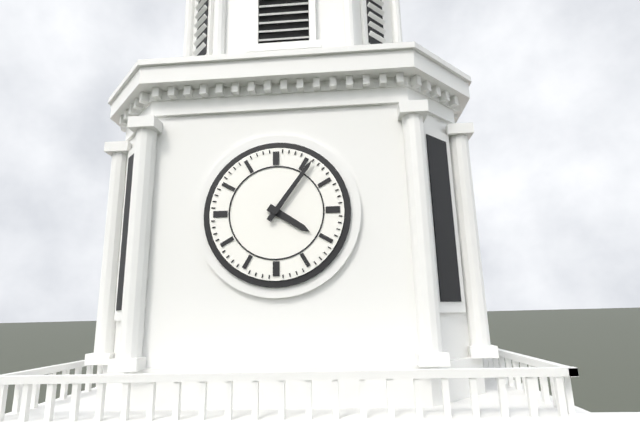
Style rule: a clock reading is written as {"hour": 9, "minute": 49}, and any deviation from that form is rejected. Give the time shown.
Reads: {"hour": 4, "minute": 6}
